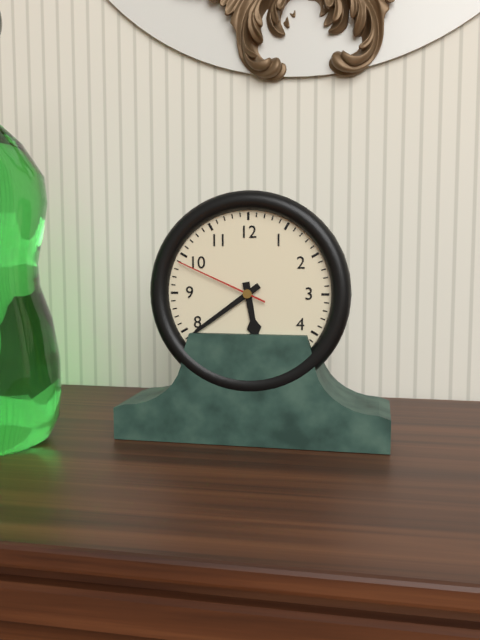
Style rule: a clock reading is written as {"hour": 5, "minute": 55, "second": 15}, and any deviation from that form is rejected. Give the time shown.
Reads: {"hour": 5, "minute": 39, "second": 49}
